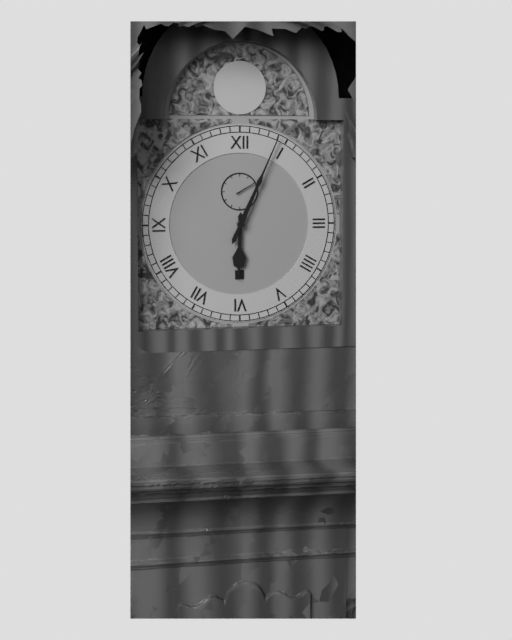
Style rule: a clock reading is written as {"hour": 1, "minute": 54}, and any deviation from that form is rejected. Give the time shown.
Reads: {"hour": 6, "minute": 4}
